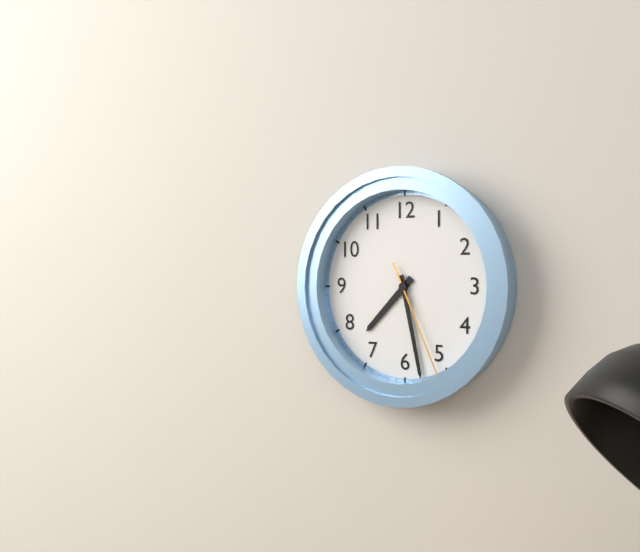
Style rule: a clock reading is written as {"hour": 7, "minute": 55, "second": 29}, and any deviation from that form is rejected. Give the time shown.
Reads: {"hour": 7, "minute": 28, "second": 26}
